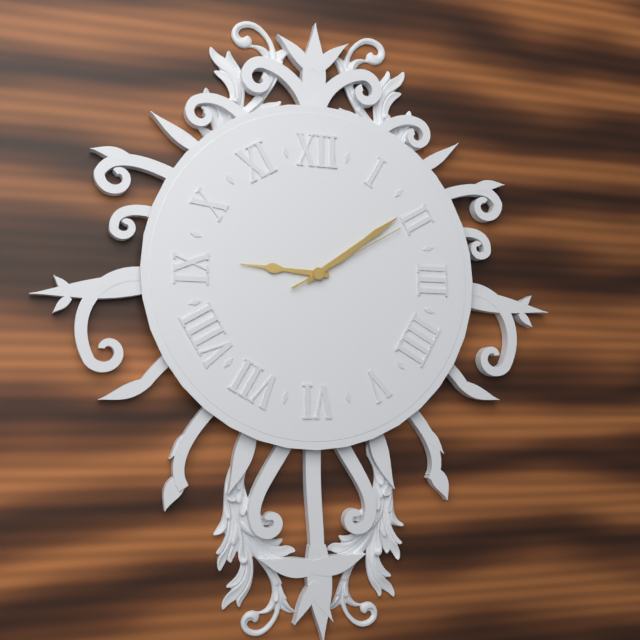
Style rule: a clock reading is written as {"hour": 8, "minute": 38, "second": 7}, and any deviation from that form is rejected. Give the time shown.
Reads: {"hour": 9, "minute": 9, "second": 10}
